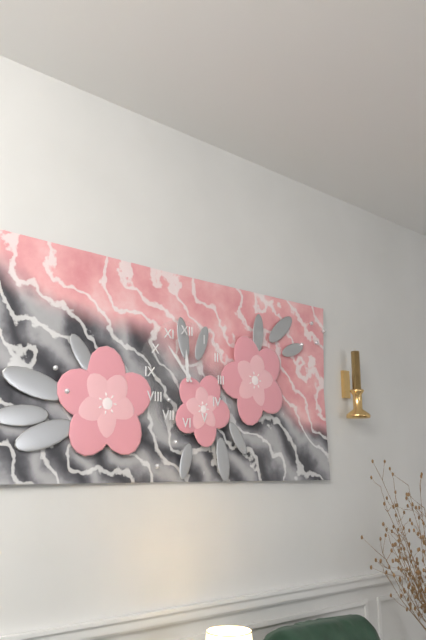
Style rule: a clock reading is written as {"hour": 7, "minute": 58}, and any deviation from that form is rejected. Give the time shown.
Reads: {"hour": 11, "minute": 53}
